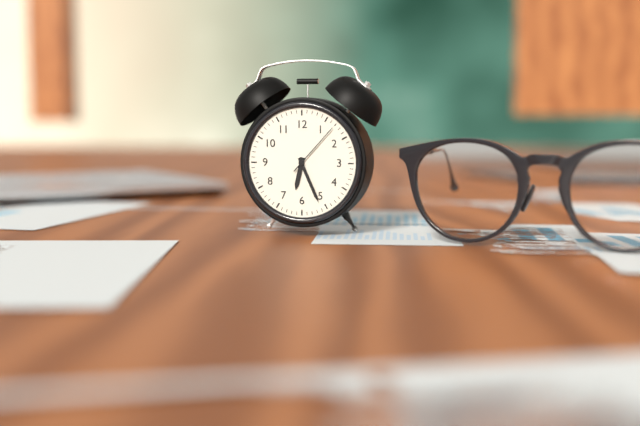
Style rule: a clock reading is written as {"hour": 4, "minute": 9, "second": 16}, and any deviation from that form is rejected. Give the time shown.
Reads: {"hour": 6, "minute": 26, "second": 7}
